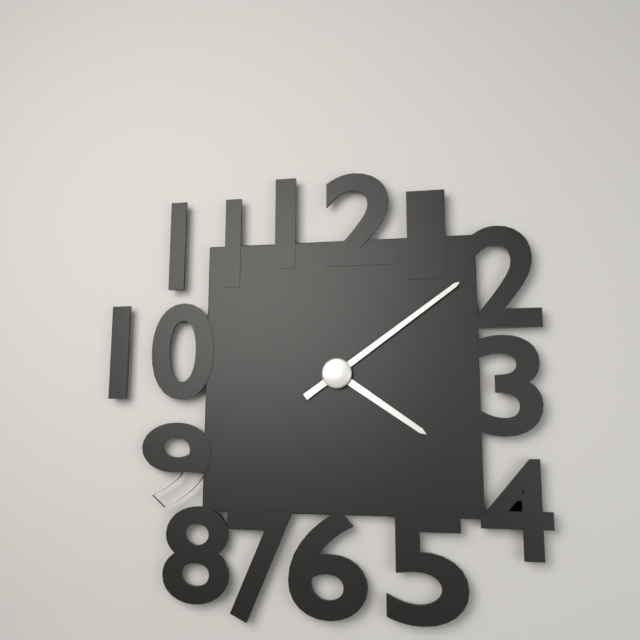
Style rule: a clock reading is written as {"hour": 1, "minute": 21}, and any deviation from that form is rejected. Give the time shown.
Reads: {"hour": 4, "minute": 9}
